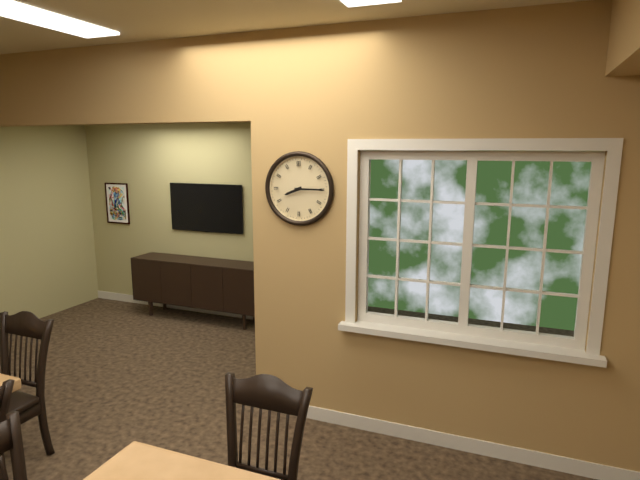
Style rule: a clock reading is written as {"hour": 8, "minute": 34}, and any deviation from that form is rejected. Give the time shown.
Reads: {"hour": 8, "minute": 15}
